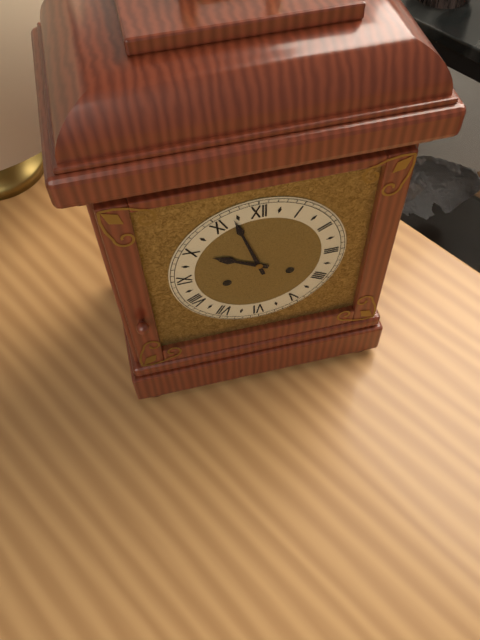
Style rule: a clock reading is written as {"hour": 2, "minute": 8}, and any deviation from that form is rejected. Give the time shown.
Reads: {"hour": 9, "minute": 57}
